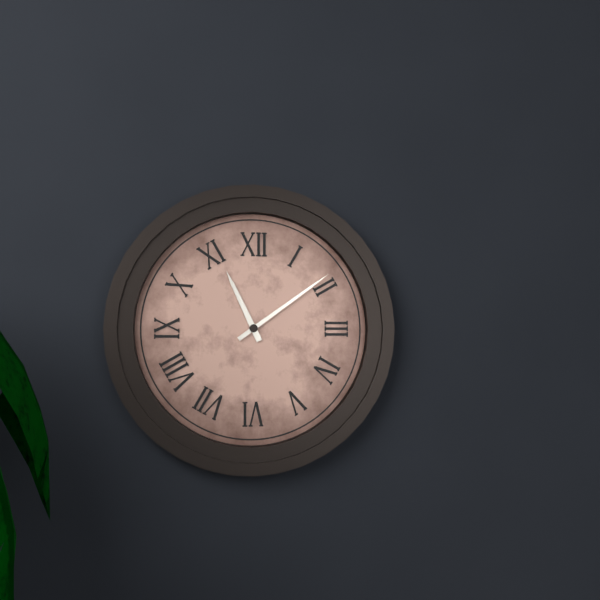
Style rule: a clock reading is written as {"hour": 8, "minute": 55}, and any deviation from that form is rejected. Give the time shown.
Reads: {"hour": 11, "minute": 9}
